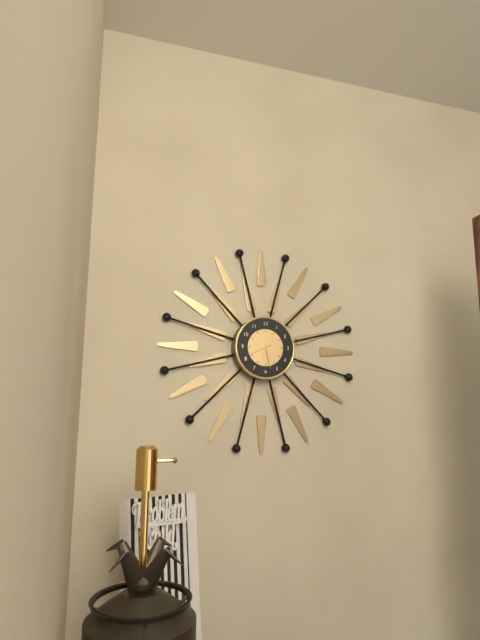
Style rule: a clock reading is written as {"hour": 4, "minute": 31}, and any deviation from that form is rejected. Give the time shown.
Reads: {"hour": 6, "minute": 28}
